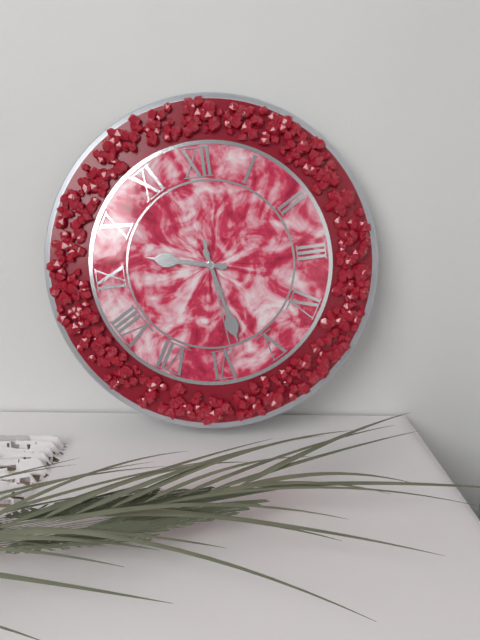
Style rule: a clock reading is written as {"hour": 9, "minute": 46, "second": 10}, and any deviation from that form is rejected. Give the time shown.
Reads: {"hour": 9, "minute": 28, "second": 29}
